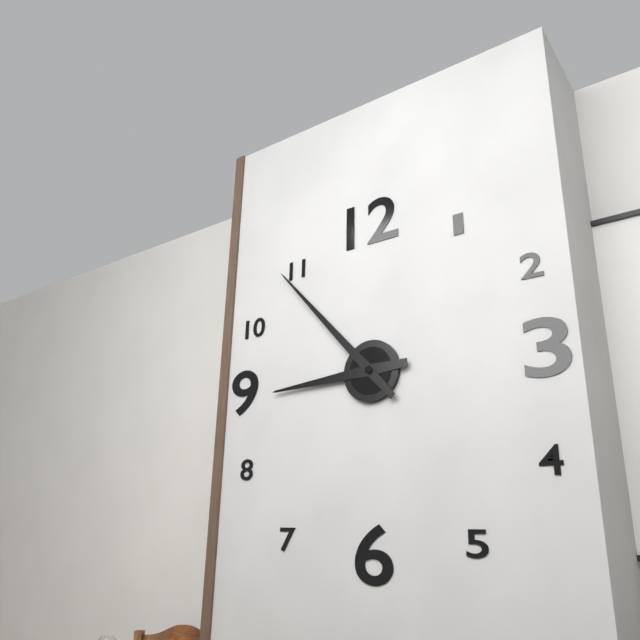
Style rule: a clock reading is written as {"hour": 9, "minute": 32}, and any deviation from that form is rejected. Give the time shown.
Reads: {"hour": 8, "minute": 53}
